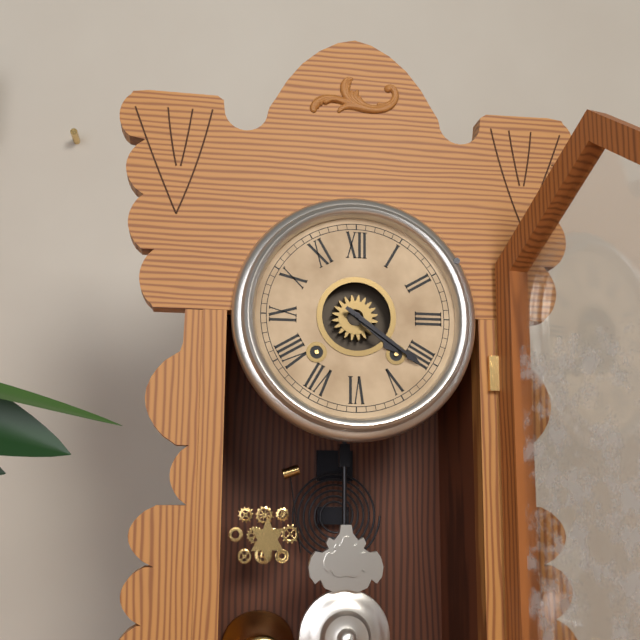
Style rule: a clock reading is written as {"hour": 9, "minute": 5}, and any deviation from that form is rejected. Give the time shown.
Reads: {"hour": 4, "minute": 21}
